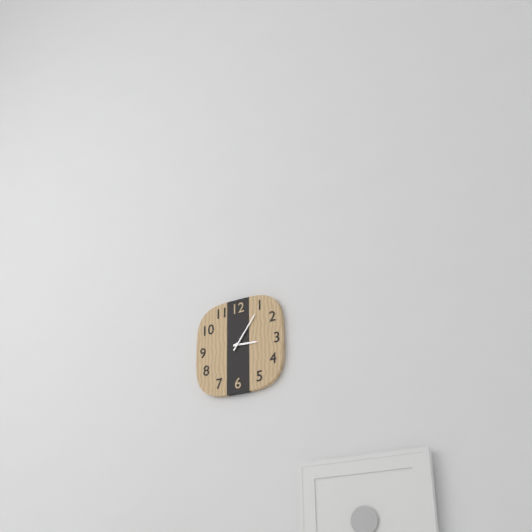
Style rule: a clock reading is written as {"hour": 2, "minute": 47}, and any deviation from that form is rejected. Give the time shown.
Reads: {"hour": 3, "minute": 6}
